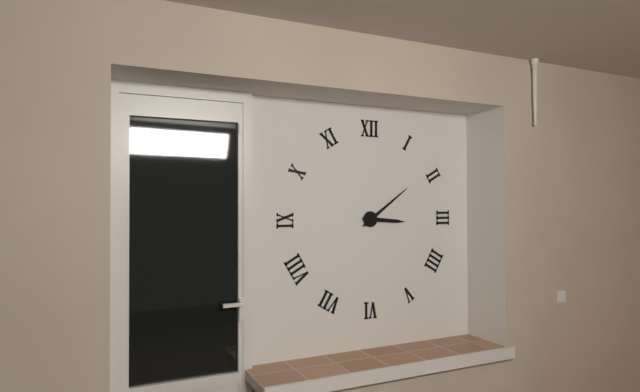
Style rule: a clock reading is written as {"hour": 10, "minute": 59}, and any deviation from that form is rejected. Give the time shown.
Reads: {"hour": 3, "minute": 9}
